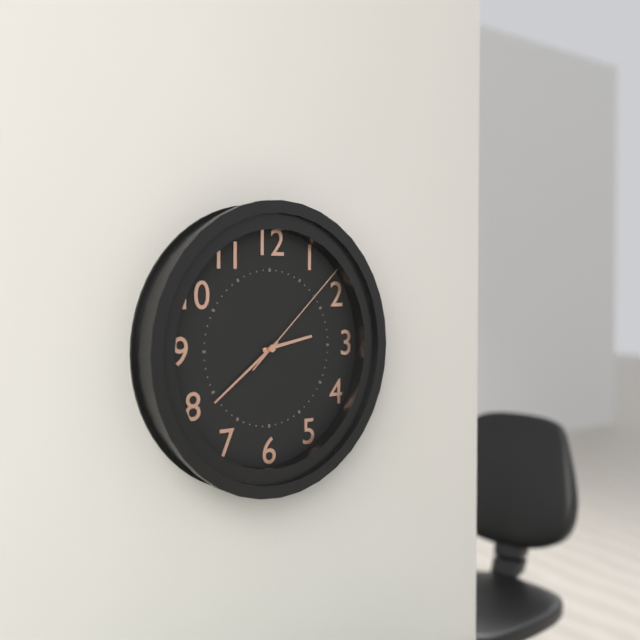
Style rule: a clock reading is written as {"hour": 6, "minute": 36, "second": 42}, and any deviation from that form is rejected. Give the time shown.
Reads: {"hour": 2, "minute": 39, "second": 8}
